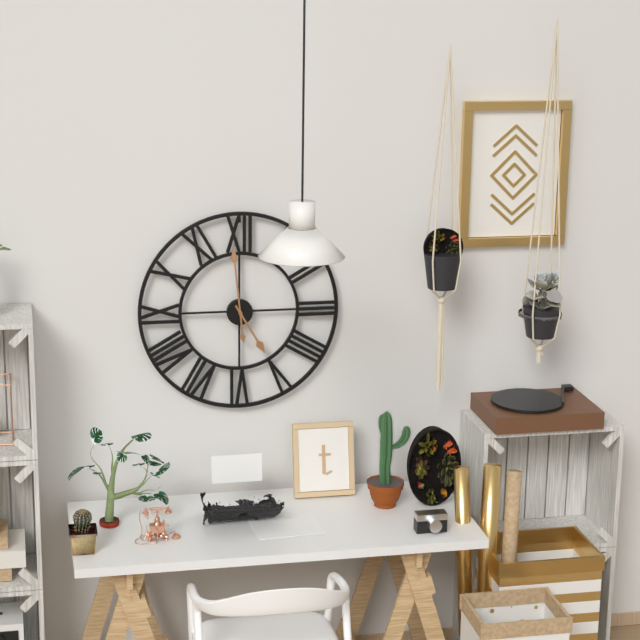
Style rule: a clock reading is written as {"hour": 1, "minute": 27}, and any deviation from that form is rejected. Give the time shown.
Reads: {"hour": 4, "minute": 59}
